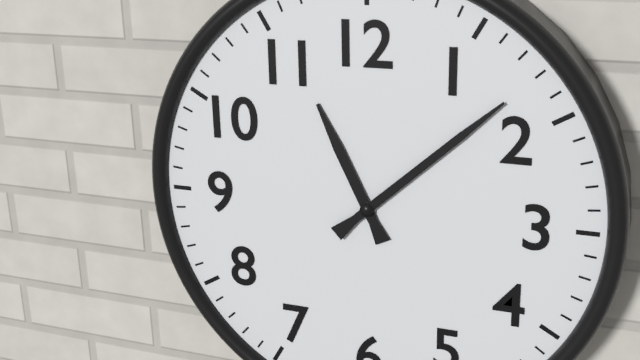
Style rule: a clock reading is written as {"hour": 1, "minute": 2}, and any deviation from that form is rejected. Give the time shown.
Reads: {"hour": 11, "minute": 8}
